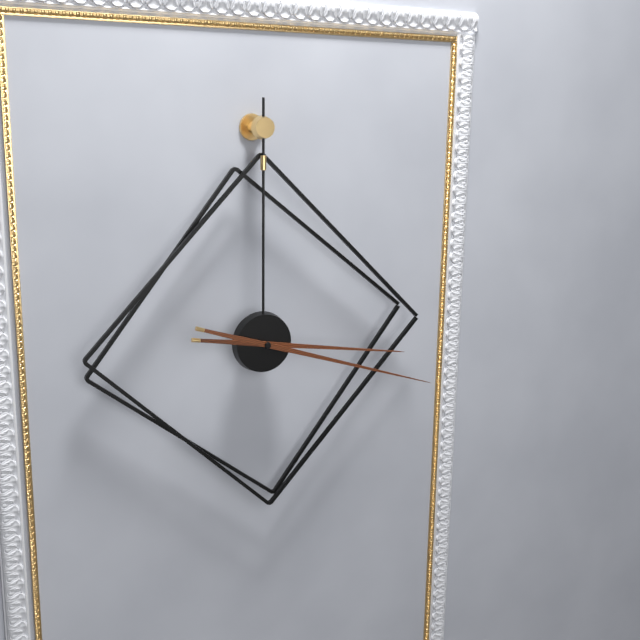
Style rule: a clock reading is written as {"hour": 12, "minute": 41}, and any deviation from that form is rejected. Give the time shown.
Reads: {"hour": 3, "minute": 18}
